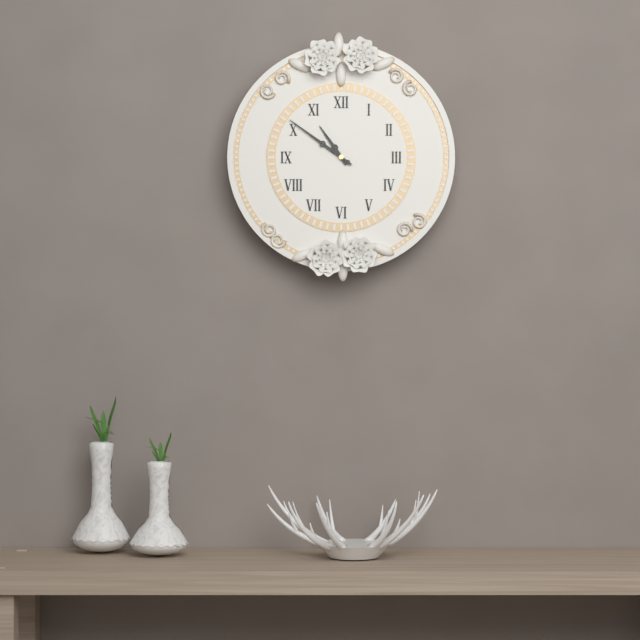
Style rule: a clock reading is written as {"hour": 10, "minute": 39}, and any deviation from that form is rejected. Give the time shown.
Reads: {"hour": 10, "minute": 51}
